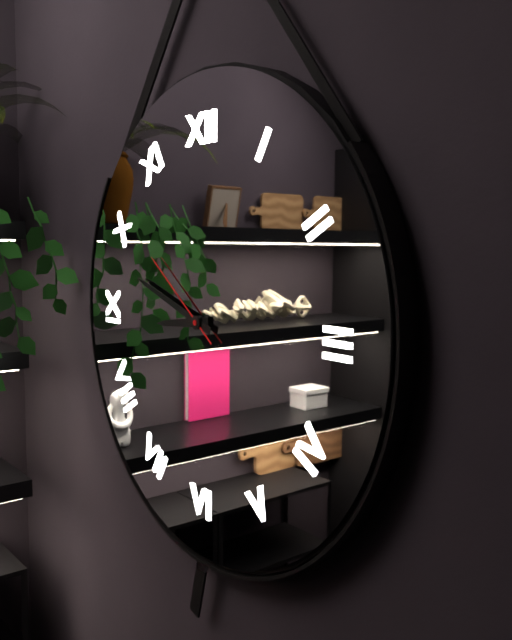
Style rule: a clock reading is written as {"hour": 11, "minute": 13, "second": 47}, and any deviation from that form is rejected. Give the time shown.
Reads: {"hour": 8, "minute": 48, "second": 51}
